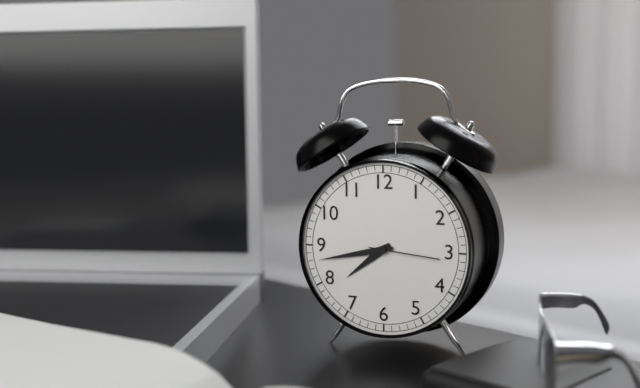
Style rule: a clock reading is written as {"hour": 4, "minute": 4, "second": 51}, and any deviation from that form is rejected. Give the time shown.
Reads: {"hour": 7, "minute": 43, "second": 16}
